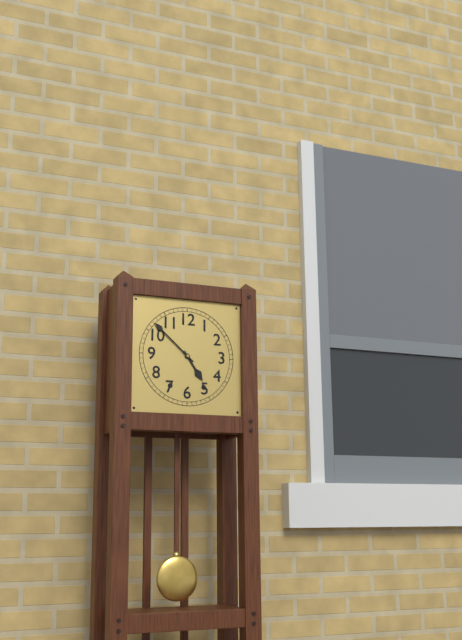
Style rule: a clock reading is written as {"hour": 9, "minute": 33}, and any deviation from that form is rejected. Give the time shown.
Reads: {"hour": 4, "minute": 52}
